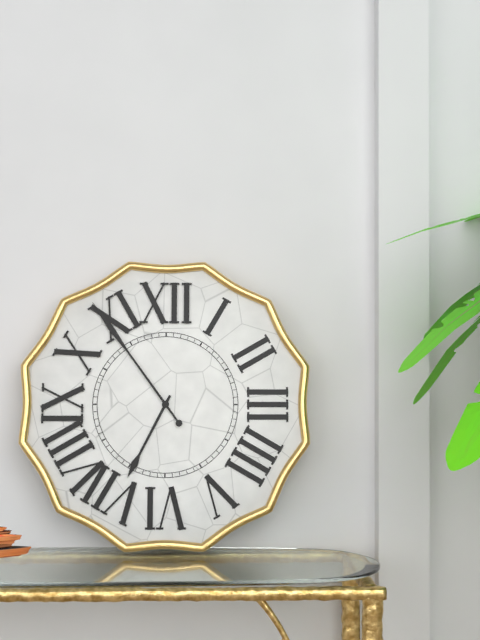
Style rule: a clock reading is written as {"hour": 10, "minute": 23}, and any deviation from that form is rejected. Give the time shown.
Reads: {"hour": 6, "minute": 54}
